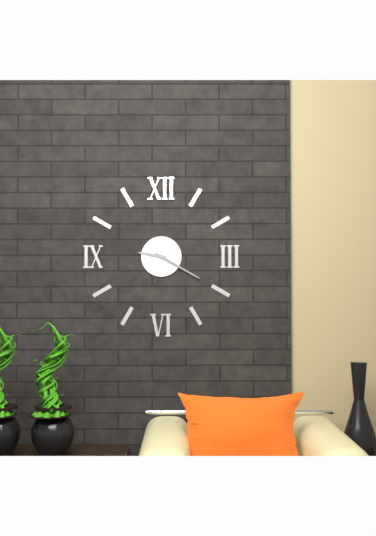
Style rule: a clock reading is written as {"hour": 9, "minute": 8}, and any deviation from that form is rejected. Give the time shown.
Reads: {"hour": 9, "minute": 20}
